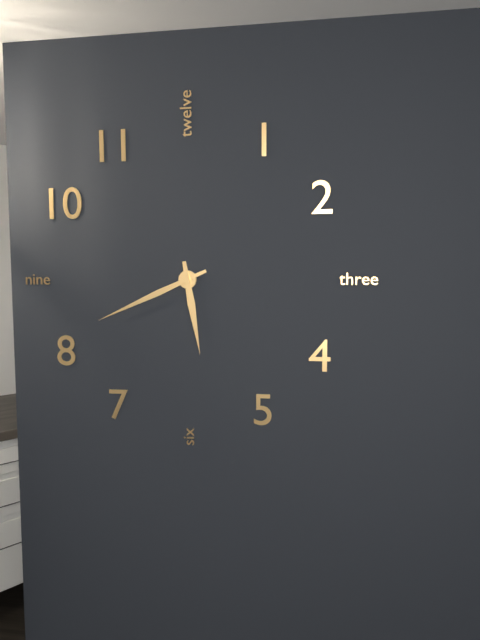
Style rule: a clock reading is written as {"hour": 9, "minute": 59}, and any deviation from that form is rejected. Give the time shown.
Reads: {"hour": 5, "minute": 41}
